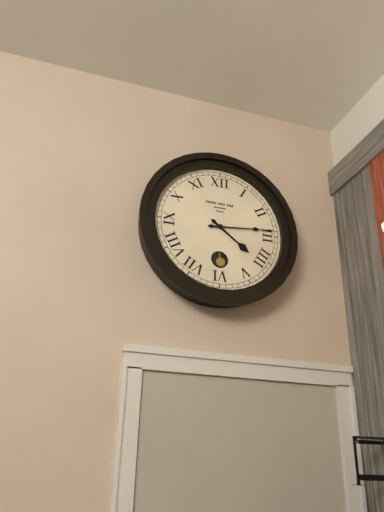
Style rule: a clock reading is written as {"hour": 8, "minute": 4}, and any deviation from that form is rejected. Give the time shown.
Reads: {"hour": 4, "minute": 14}
